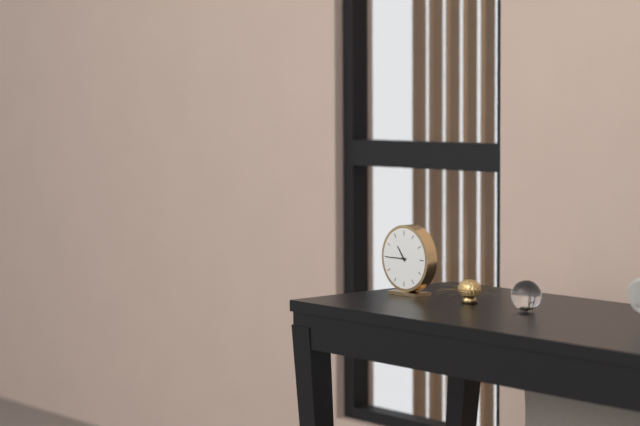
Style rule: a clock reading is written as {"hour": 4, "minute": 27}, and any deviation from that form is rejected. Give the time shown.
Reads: {"hour": 10, "minute": 45}
